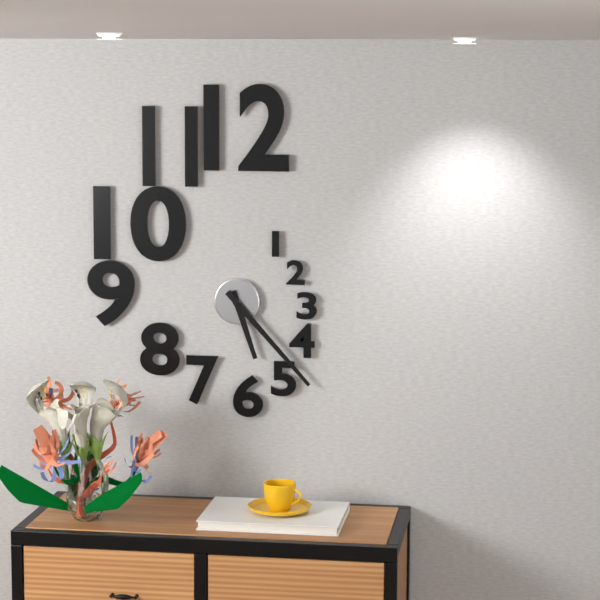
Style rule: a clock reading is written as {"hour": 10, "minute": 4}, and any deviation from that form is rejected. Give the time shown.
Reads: {"hour": 5, "minute": 23}
